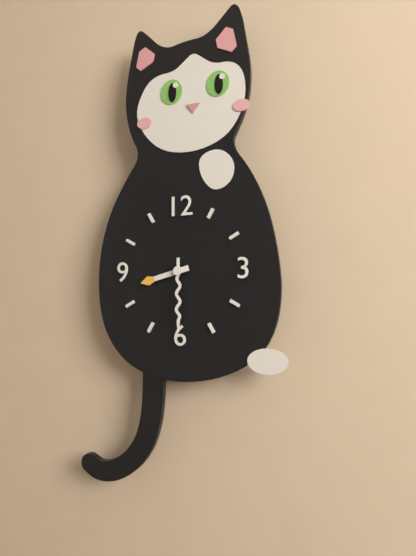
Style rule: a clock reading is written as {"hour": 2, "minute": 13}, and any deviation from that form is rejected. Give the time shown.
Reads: {"hour": 8, "minute": 30}
